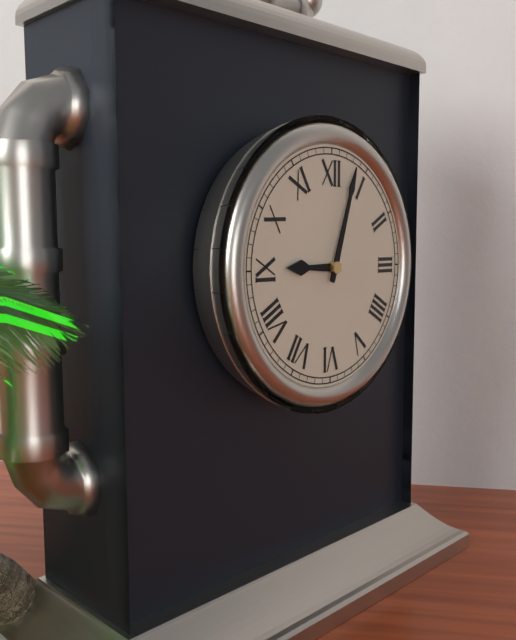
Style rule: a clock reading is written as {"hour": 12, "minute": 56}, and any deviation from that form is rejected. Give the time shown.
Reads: {"hour": 9, "minute": 3}
